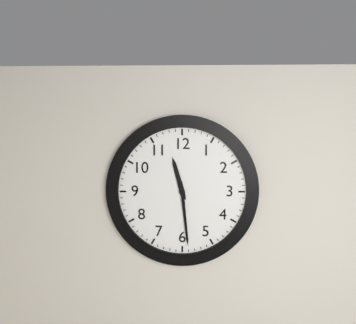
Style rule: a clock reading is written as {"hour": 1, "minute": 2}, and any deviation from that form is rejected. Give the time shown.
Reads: {"hour": 11, "minute": 29}
